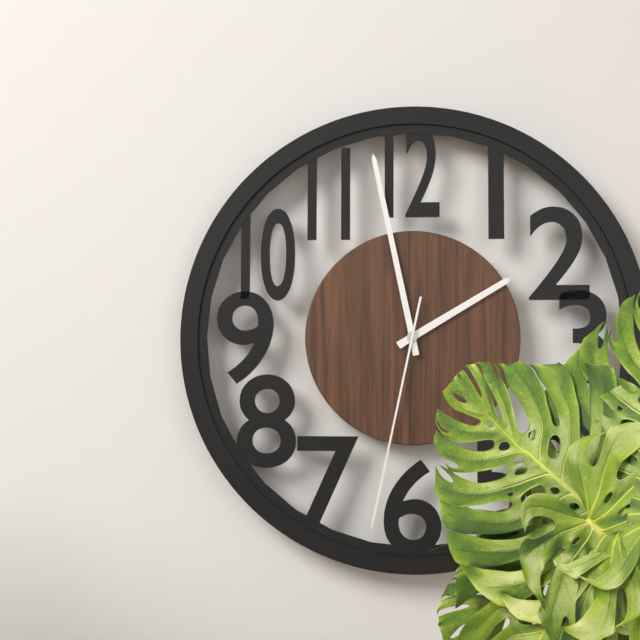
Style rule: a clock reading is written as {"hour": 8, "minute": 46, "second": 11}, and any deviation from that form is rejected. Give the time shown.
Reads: {"hour": 1, "minute": 58, "second": 32}
